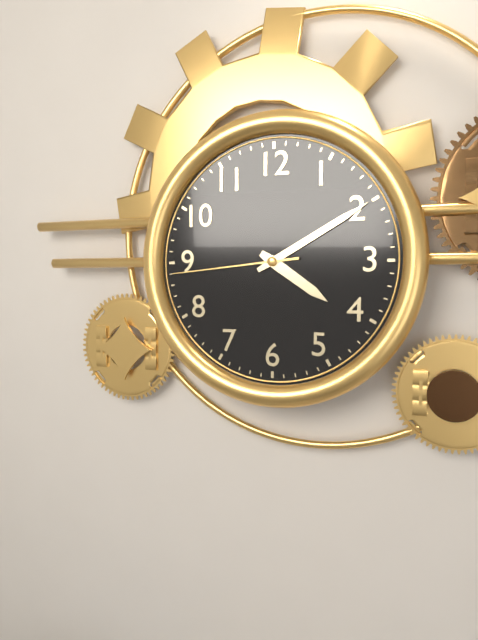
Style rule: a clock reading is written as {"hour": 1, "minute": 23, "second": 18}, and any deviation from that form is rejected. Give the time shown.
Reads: {"hour": 4, "minute": 10, "second": 44}
